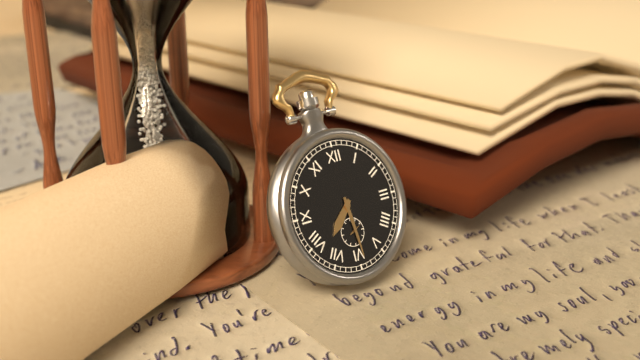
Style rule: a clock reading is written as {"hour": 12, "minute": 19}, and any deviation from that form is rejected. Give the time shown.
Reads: {"hour": 7, "minute": 29}
